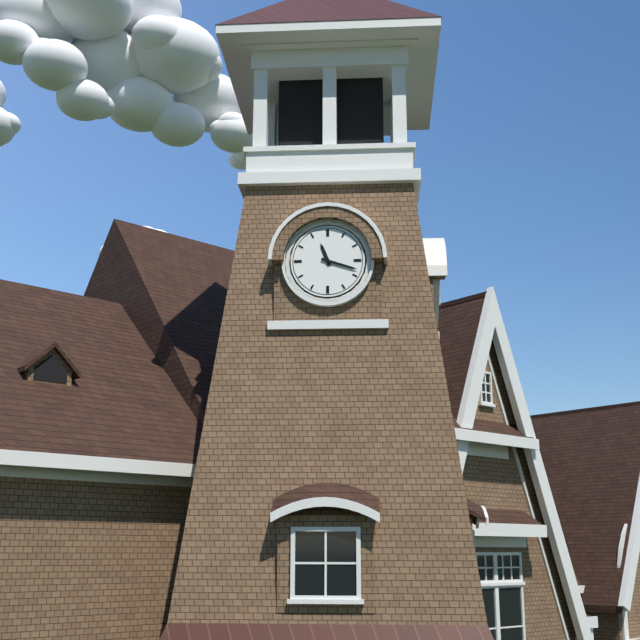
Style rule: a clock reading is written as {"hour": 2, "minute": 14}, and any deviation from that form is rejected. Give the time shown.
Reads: {"hour": 11, "minute": 18}
